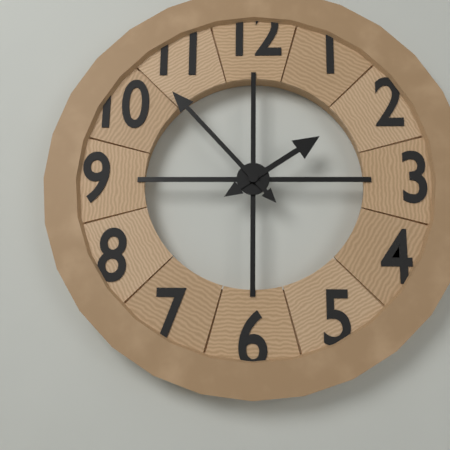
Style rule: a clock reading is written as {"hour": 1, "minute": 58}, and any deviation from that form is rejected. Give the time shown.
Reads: {"hour": 1, "minute": 53}
